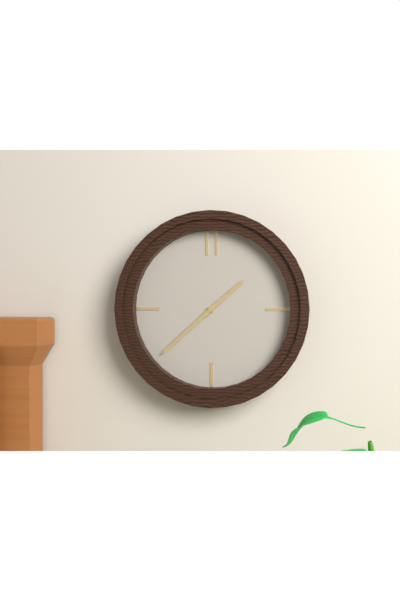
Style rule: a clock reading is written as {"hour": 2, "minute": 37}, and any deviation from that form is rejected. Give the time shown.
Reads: {"hour": 1, "minute": 38}
